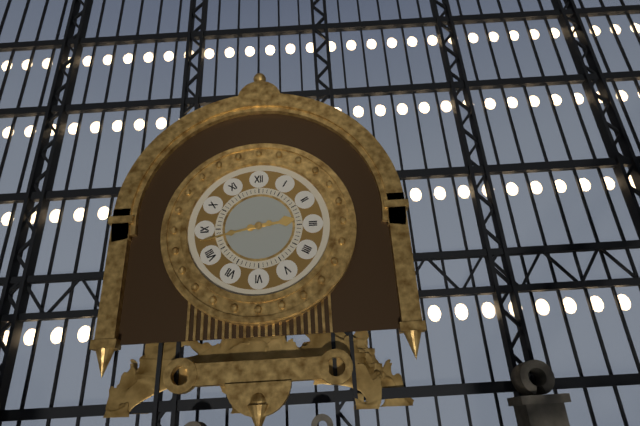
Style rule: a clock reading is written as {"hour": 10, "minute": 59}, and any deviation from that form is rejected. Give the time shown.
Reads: {"hour": 2, "minute": 43}
